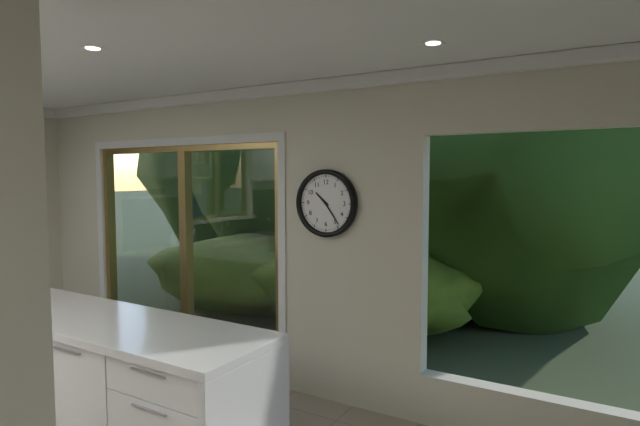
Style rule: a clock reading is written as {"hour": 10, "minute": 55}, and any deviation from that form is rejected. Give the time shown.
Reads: {"hour": 10, "minute": 24}
